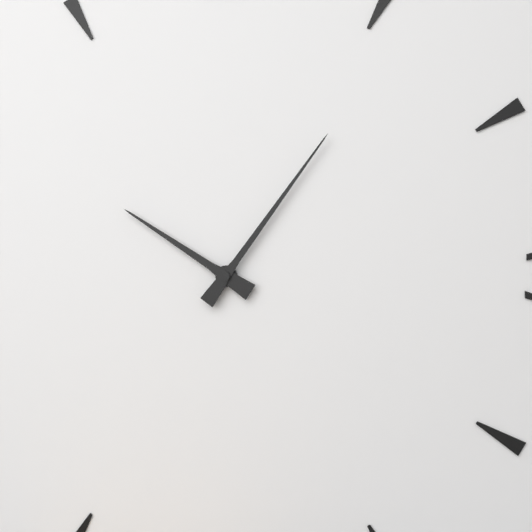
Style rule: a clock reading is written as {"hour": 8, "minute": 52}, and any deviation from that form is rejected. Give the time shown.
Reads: {"hour": 10, "minute": 6}
